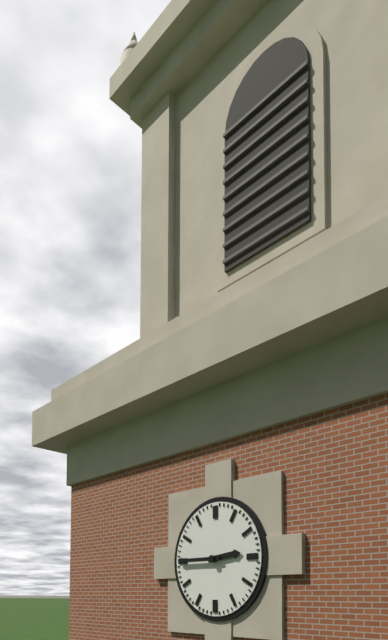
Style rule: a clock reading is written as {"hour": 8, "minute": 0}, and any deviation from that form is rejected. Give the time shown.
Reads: {"hour": 2, "minute": 45}
